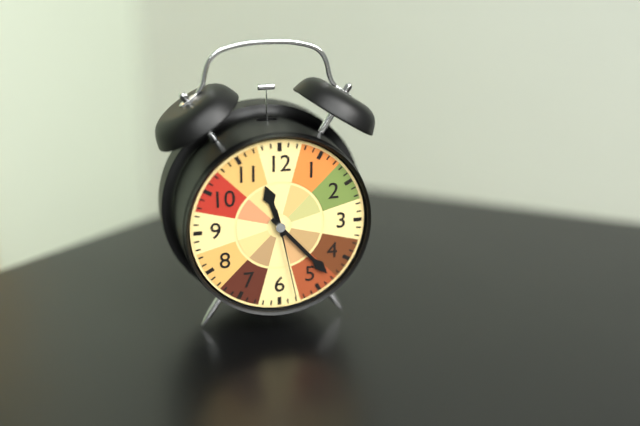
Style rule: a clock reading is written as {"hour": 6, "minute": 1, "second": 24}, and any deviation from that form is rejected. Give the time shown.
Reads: {"hour": 11, "minute": 23, "second": 28}
